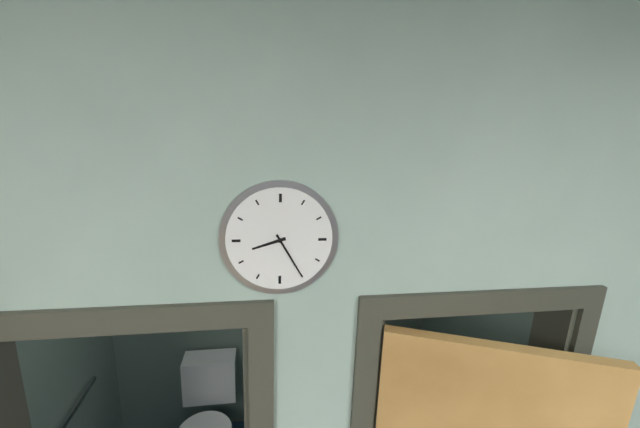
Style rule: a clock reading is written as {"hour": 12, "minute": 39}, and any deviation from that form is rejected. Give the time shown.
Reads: {"hour": 8, "minute": 25}
